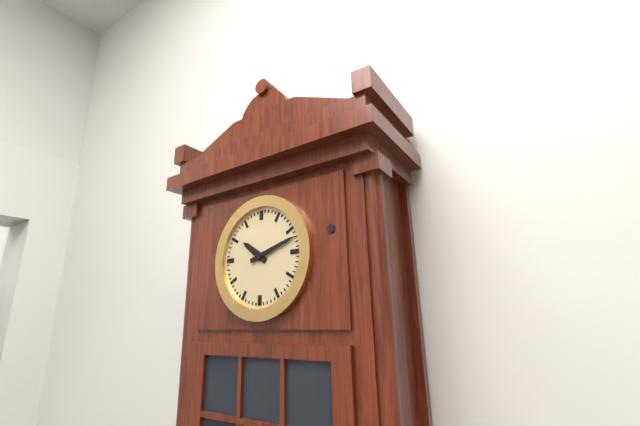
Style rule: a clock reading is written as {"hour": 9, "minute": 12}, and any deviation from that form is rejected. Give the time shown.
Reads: {"hour": 10, "minute": 12}
